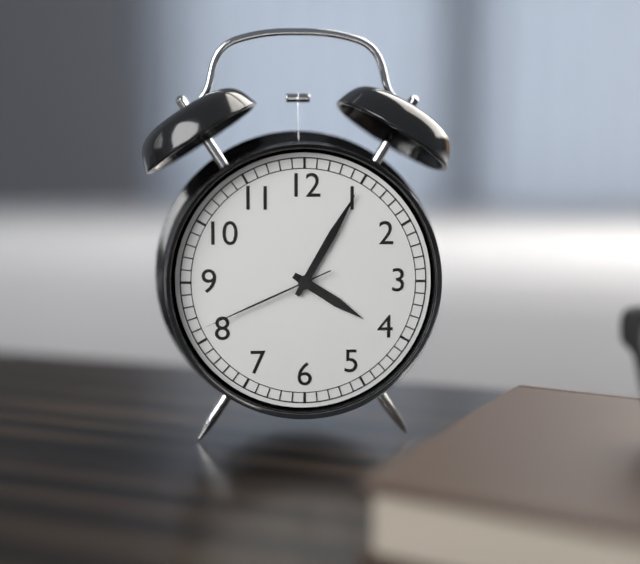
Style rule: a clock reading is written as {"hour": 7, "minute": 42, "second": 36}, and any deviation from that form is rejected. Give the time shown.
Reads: {"hour": 4, "minute": 5, "second": 41}
